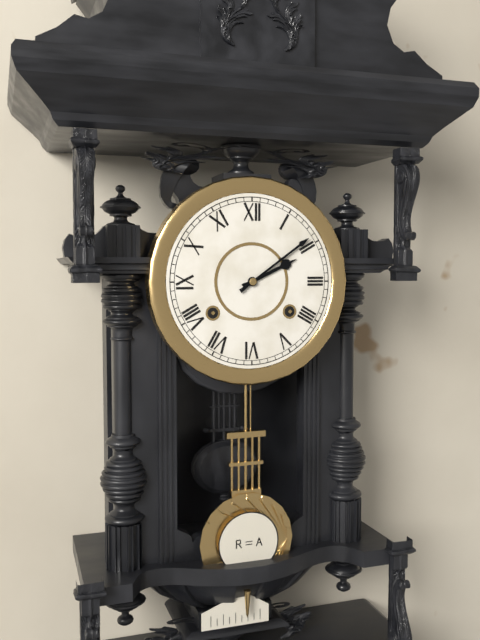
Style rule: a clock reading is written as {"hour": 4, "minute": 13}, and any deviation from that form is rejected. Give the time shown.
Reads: {"hour": 2, "minute": 9}
